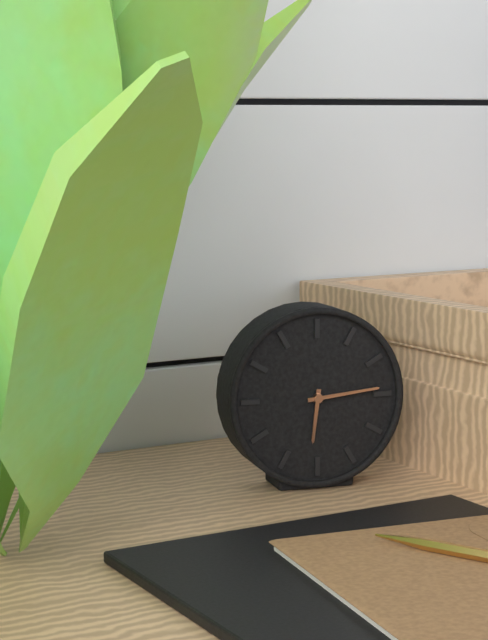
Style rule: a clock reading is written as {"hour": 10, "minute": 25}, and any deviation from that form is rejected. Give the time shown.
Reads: {"hour": 6, "minute": 14}
